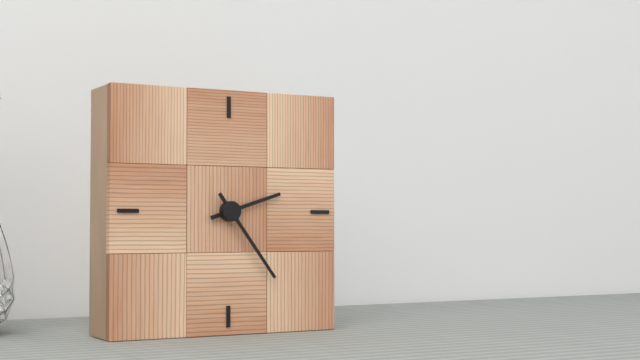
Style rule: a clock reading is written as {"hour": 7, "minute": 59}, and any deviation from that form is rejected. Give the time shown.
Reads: {"hour": 2, "minute": 24}
